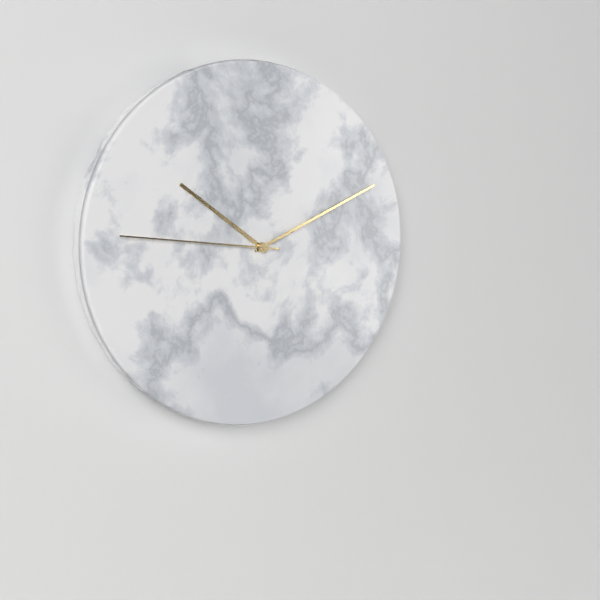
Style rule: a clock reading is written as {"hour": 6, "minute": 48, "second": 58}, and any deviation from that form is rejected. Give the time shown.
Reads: {"hour": 10, "minute": 11, "second": 46}
